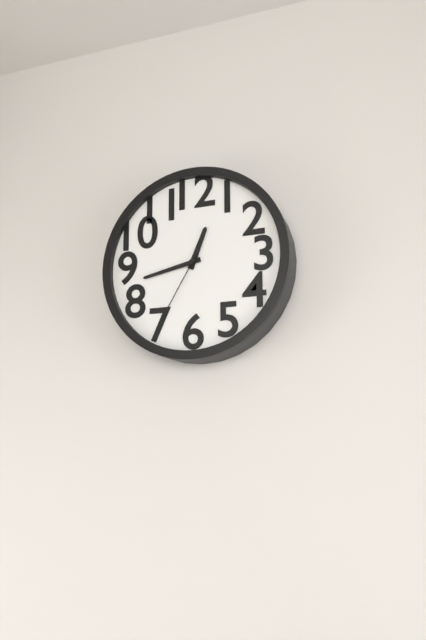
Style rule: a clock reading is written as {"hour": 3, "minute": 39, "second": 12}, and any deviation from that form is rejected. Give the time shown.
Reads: {"hour": 12, "minute": 43, "second": 35}
